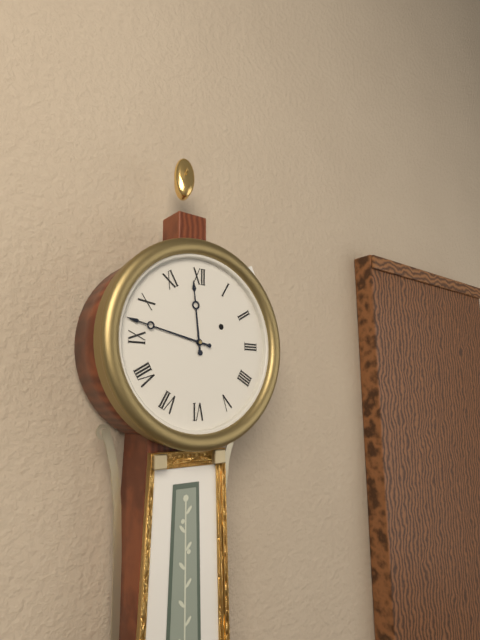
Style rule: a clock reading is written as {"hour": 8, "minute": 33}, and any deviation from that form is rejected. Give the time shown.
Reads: {"hour": 11, "minute": 47}
